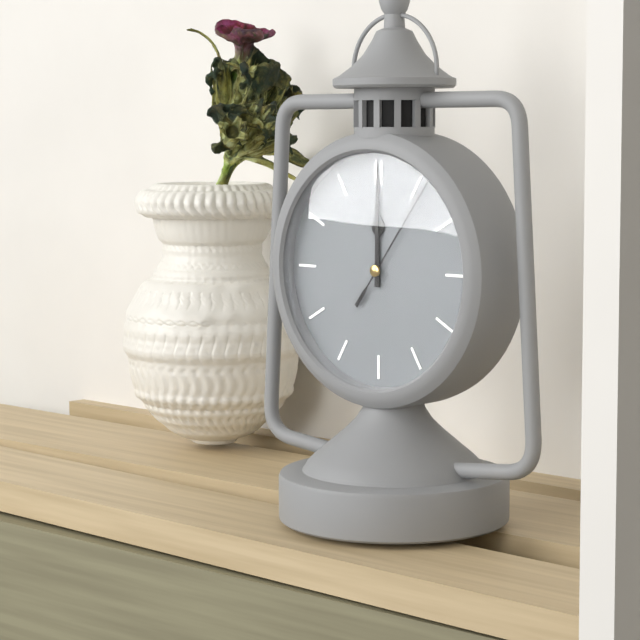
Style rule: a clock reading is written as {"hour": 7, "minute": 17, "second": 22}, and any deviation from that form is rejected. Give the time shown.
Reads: {"hour": 12, "minute": 0, "second": 6}
